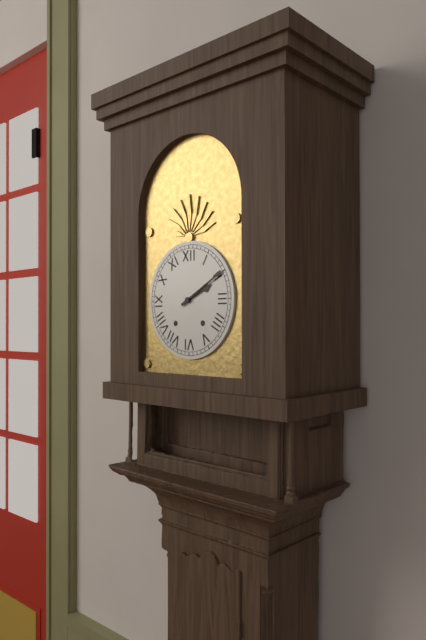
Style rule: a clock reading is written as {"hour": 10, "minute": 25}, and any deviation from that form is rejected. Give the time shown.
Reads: {"hour": 2, "minute": 10}
